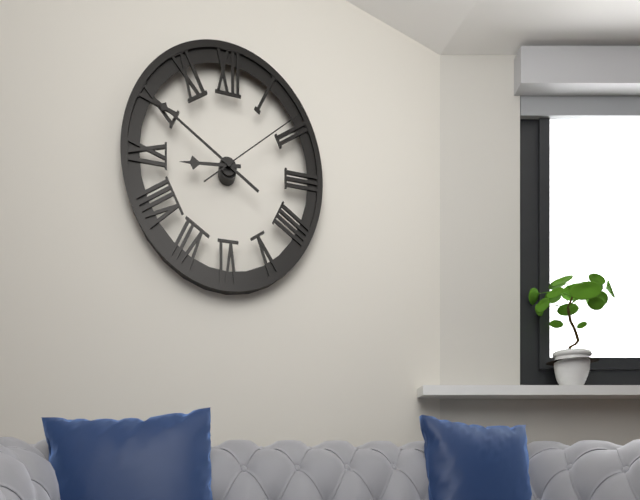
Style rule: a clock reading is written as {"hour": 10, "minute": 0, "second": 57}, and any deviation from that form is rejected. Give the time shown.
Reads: {"hour": 8, "minute": 50, "second": 9}
